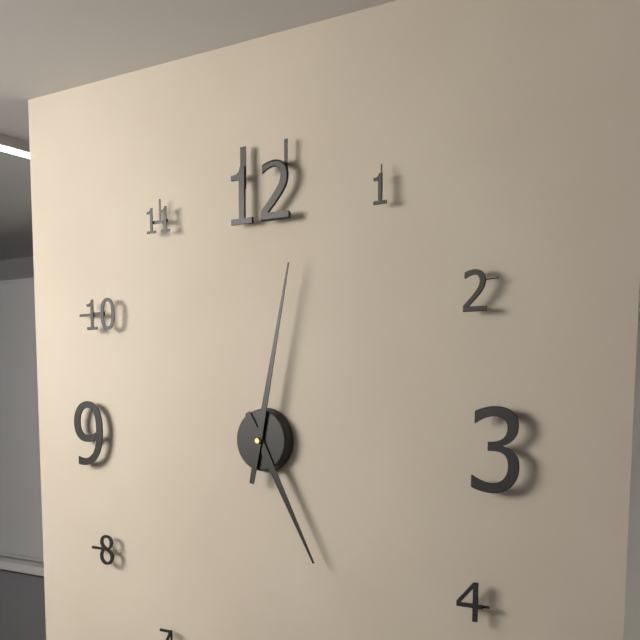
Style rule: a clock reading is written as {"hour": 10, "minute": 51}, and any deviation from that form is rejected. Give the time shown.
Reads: {"hour": 5, "minute": 2}
